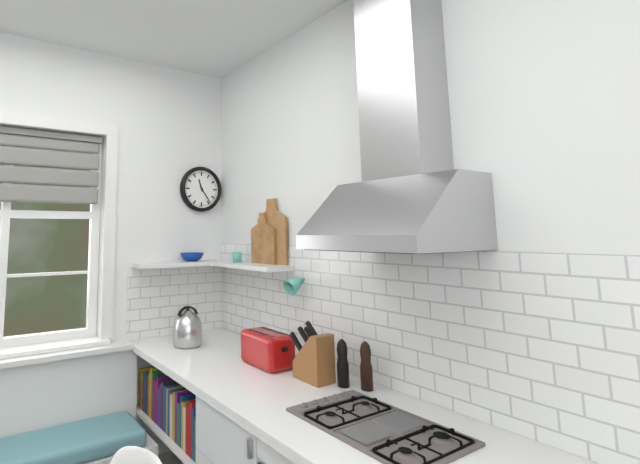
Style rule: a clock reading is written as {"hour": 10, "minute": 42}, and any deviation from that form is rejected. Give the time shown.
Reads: {"hour": 11, "minute": 24}
